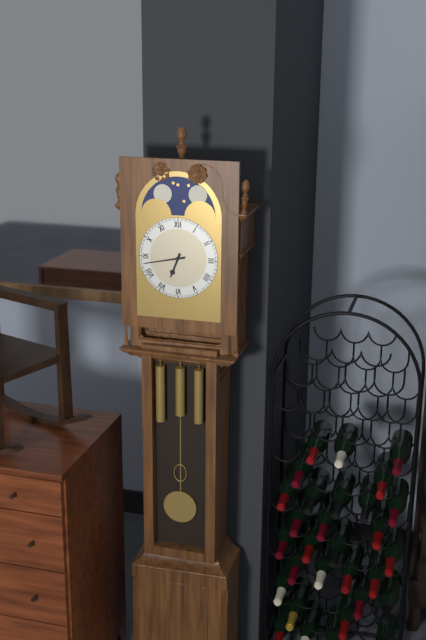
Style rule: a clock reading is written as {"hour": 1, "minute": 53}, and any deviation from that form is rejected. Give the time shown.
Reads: {"hour": 6, "minute": 43}
